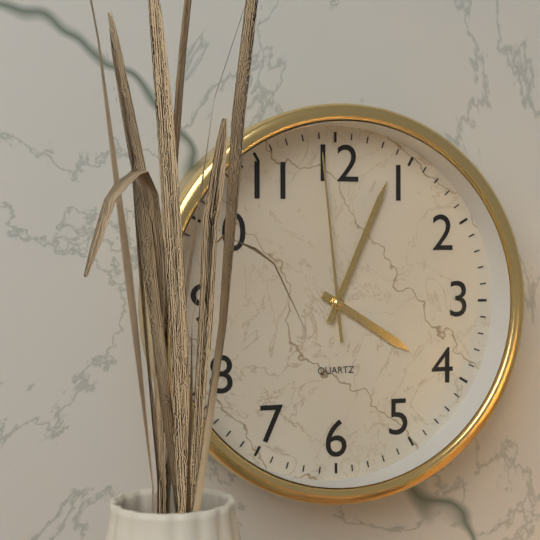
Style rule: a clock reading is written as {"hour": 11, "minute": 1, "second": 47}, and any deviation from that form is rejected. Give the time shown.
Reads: {"hour": 4, "minute": 4, "second": 59}
